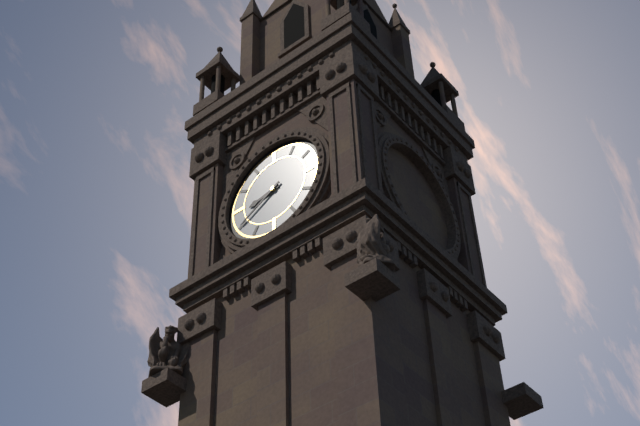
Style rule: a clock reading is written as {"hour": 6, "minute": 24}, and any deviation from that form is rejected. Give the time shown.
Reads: {"hour": 8, "minute": 40}
